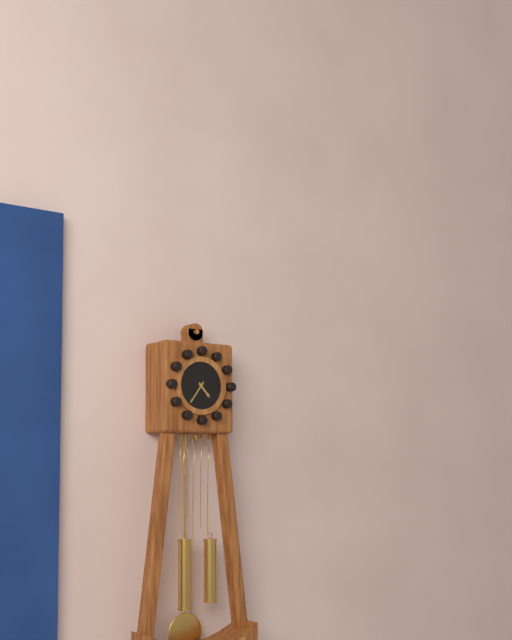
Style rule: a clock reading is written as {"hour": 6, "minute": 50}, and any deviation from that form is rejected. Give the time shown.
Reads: {"hour": 4, "minute": 36}
